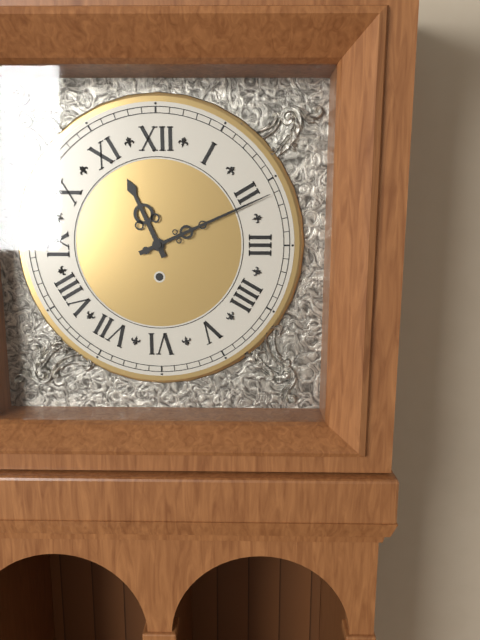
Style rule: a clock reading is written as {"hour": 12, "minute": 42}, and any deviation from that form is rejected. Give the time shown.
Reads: {"hour": 11, "minute": 11}
